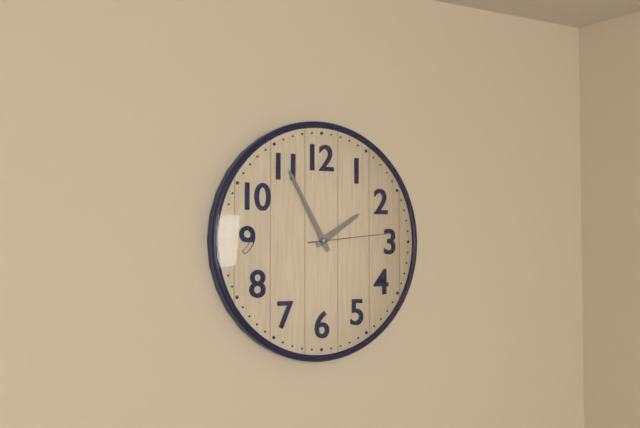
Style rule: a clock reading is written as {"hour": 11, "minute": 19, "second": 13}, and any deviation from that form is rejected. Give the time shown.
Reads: {"hour": 1, "minute": 55, "second": 14}
